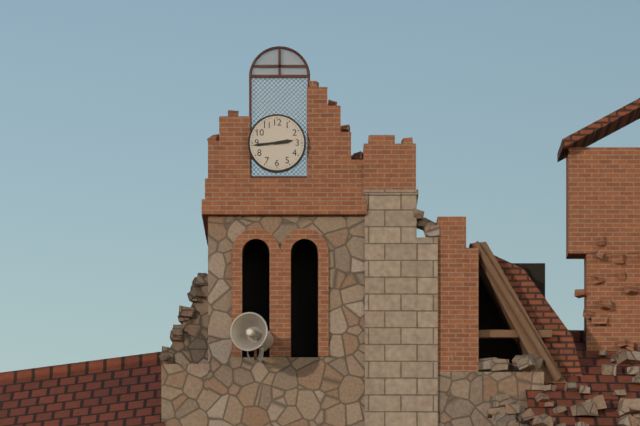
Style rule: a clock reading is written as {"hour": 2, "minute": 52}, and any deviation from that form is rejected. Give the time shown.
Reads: {"hour": 2, "minute": 44}
